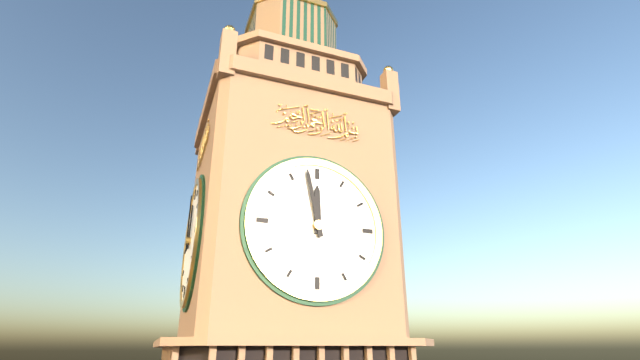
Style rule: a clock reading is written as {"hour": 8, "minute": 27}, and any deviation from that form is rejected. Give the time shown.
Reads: {"hour": 11, "minute": 58}
